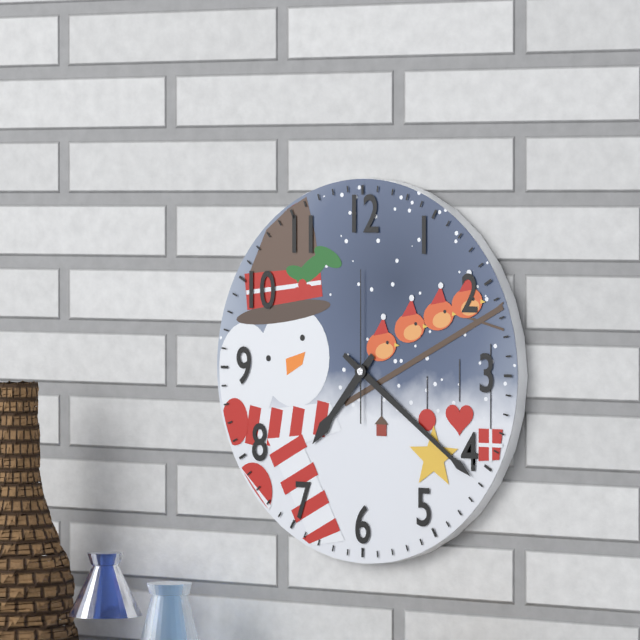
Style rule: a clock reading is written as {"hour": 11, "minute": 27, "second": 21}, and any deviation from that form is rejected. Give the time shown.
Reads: {"hour": 7, "minute": 21, "second": 0}
